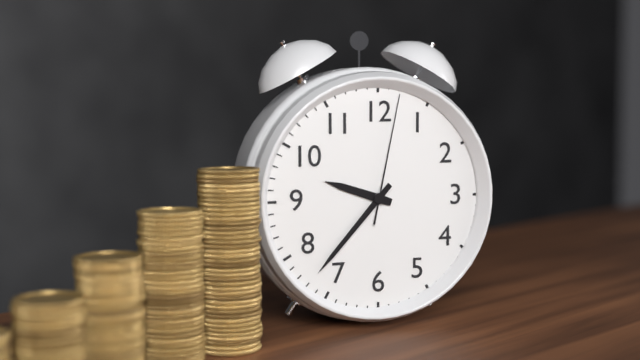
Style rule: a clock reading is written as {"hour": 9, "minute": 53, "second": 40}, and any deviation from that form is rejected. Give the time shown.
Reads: {"hour": 9, "minute": 37, "second": 2}
